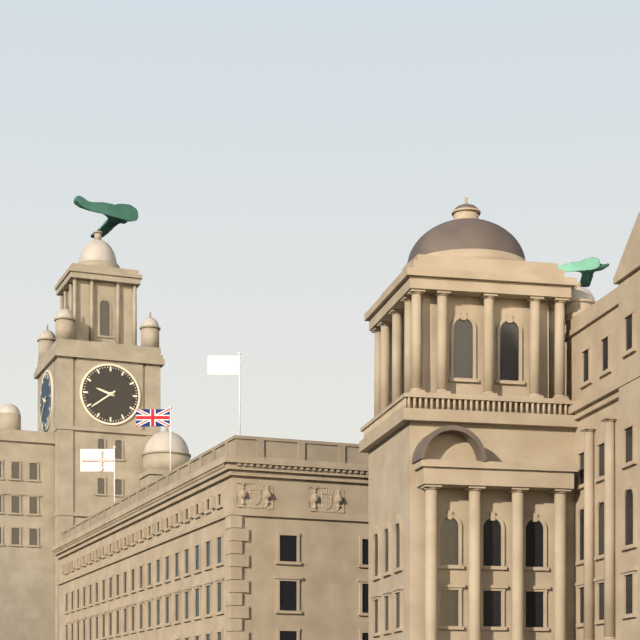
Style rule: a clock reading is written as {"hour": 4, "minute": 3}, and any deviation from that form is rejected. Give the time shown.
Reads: {"hour": 9, "minute": 39}
